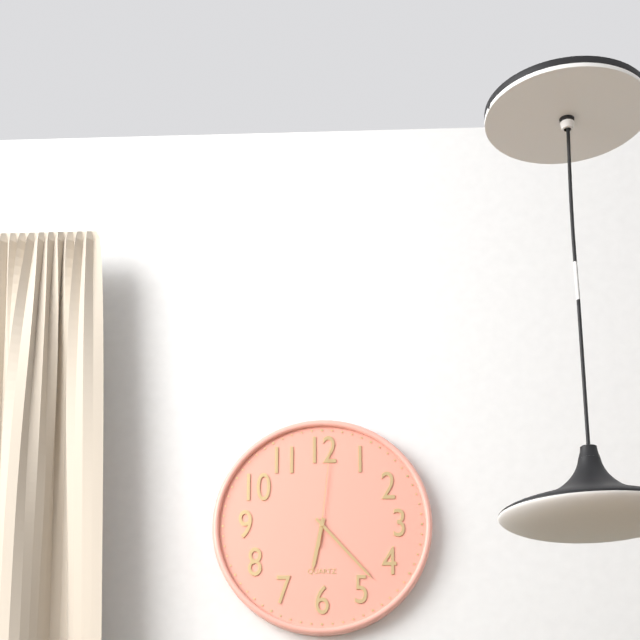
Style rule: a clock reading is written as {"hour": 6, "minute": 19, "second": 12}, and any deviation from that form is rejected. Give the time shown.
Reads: {"hour": 6, "minute": 23, "second": 1}
